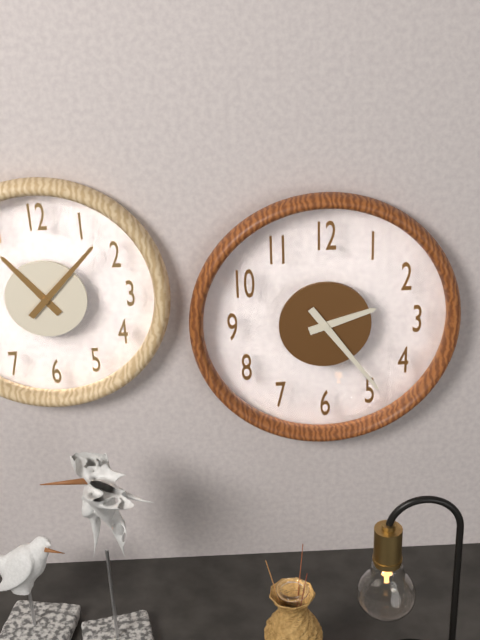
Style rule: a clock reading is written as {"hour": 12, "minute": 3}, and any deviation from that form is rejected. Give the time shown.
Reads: {"hour": 2, "minute": 24}
